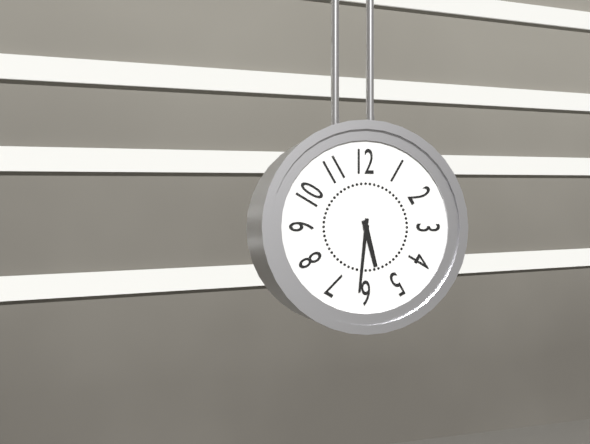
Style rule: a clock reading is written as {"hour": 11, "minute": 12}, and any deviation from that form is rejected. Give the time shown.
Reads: {"hour": 5, "minute": 31}
